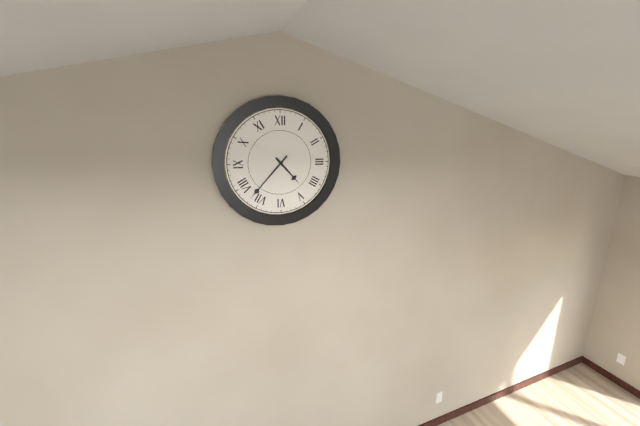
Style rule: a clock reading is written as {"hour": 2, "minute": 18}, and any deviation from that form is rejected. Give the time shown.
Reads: {"hour": 4, "minute": 37}
